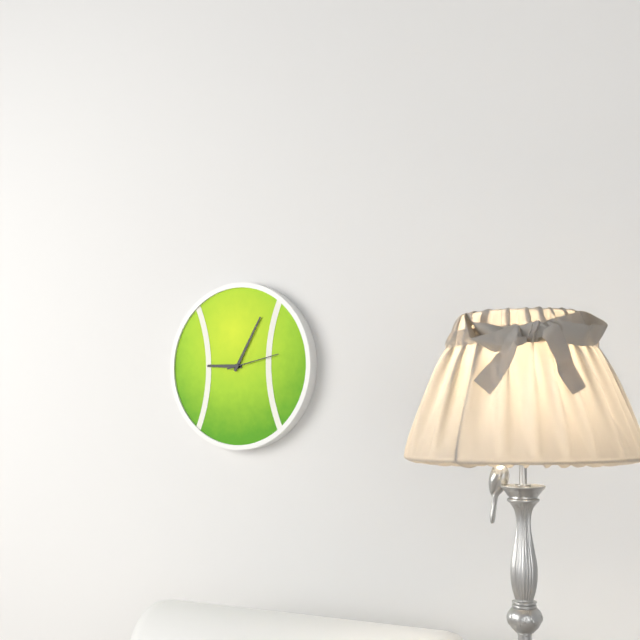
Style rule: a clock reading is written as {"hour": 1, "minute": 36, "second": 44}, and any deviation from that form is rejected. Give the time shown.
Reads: {"hour": 9, "minute": 5, "second": 13}
